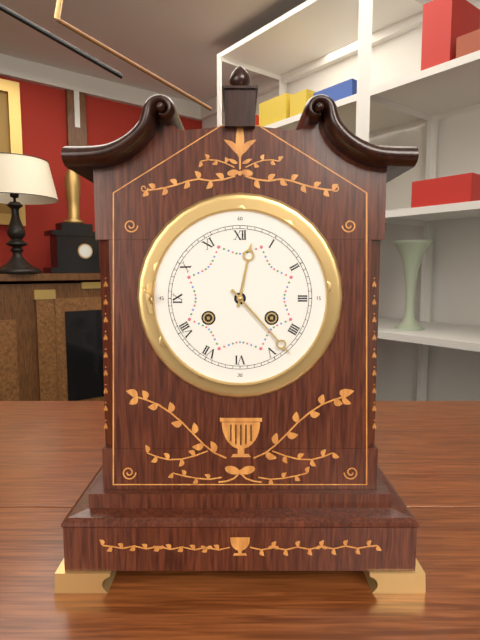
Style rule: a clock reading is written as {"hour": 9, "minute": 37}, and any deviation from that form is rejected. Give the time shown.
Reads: {"hour": 12, "minute": 23}
